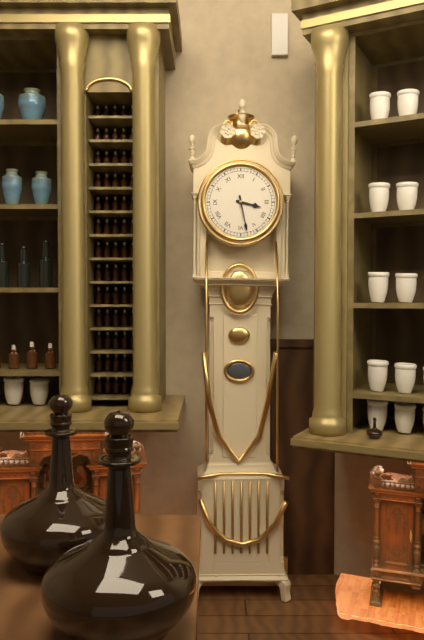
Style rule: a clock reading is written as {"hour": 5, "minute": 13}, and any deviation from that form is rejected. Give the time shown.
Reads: {"hour": 3, "minute": 28}
